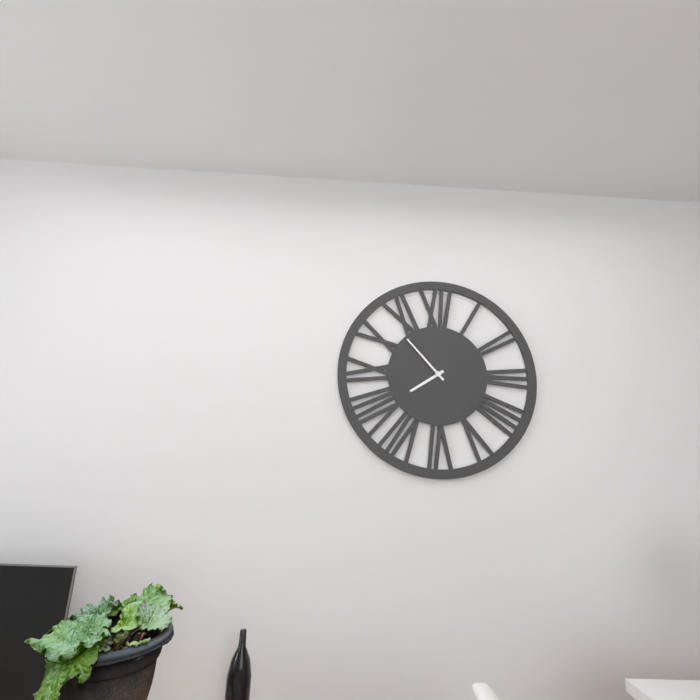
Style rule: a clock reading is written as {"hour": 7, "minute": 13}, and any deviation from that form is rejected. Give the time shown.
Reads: {"hour": 7, "minute": 53}
